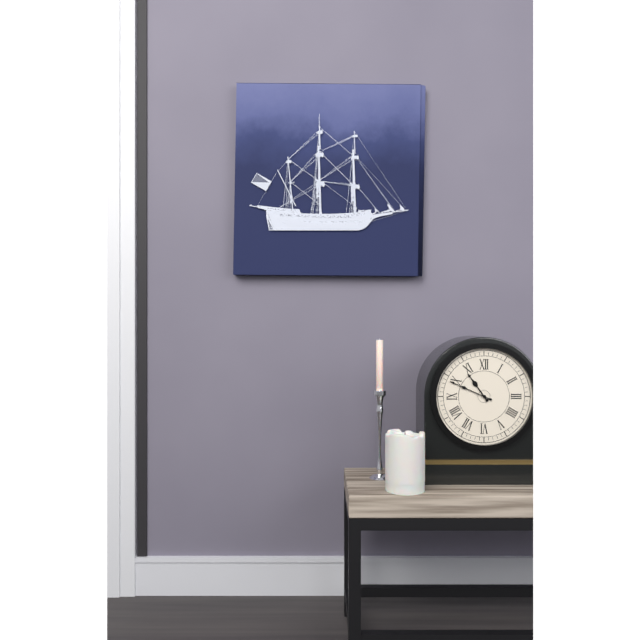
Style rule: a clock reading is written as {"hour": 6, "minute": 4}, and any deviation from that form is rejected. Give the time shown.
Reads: {"hour": 10, "minute": 49}
